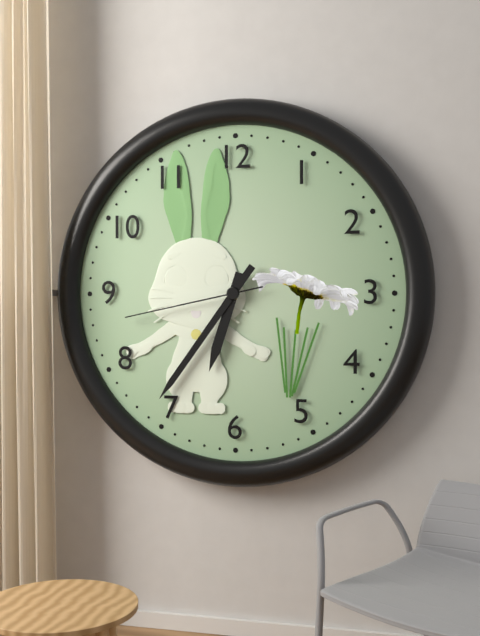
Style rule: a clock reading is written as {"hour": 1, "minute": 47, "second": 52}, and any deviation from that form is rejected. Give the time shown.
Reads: {"hour": 6, "minute": 36, "second": 43}
